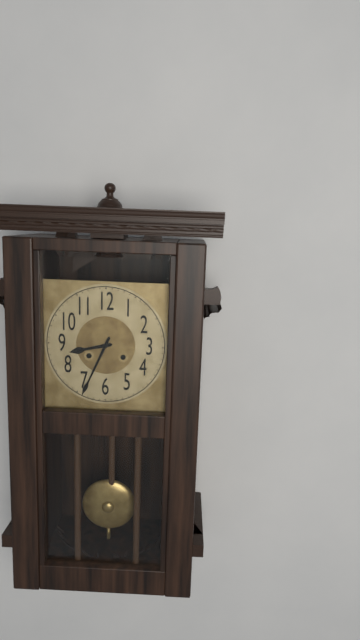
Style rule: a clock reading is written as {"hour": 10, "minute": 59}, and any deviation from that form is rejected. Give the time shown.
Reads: {"hour": 8, "minute": 34}
